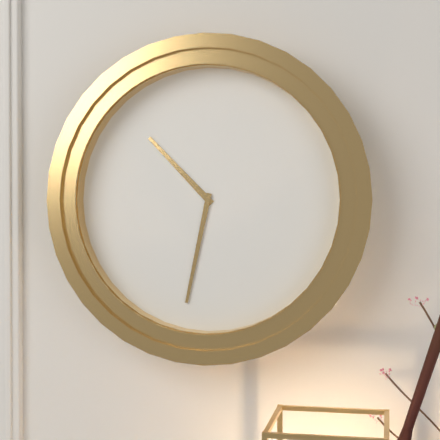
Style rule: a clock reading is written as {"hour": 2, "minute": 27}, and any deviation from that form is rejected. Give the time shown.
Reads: {"hour": 10, "minute": 32}
